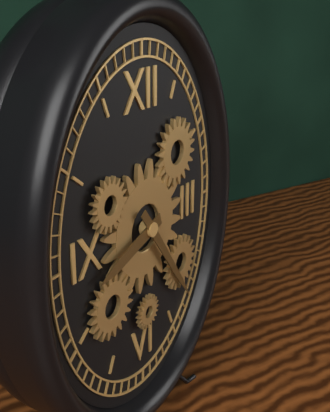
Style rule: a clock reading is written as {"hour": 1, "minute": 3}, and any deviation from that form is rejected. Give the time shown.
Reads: {"hour": 8, "minute": 24}
